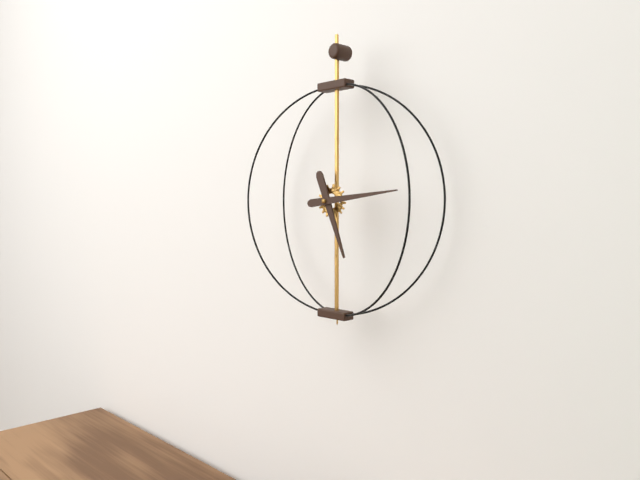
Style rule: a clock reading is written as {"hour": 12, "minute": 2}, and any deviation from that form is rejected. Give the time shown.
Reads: {"hour": 5, "minute": 14}
